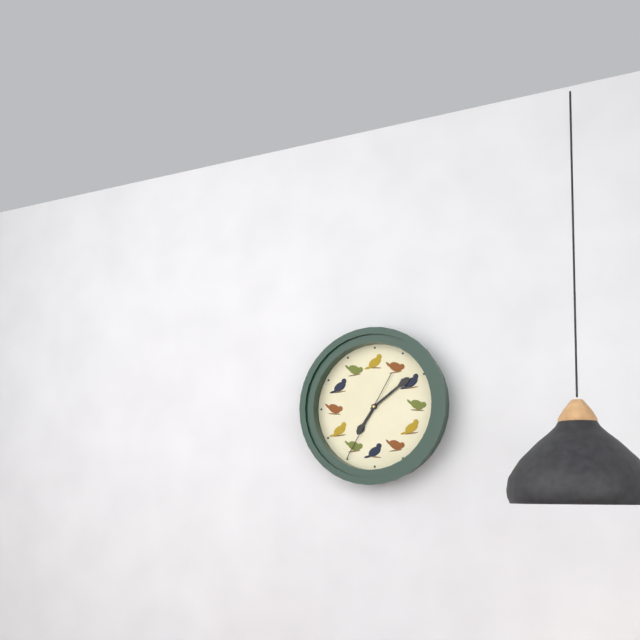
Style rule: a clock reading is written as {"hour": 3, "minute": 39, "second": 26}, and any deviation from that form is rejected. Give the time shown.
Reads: {"hour": 7, "minute": 9, "second": 35}
